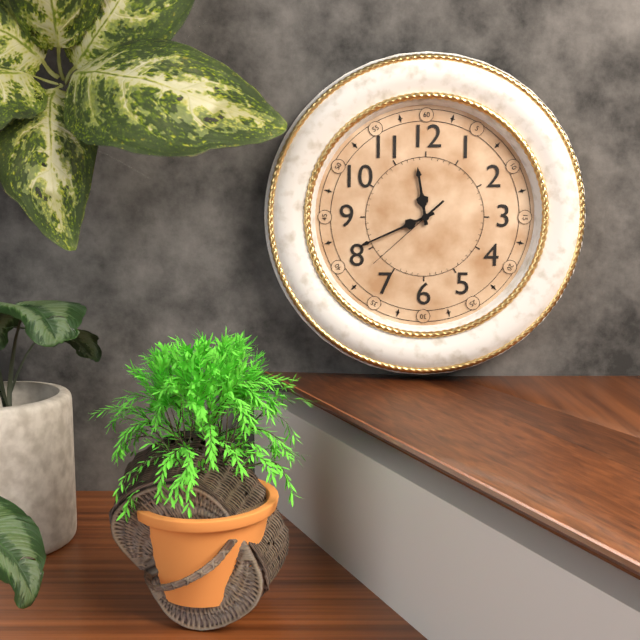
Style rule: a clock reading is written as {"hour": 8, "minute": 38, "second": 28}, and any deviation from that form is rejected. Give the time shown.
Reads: {"hour": 11, "minute": 41, "second": 38}
